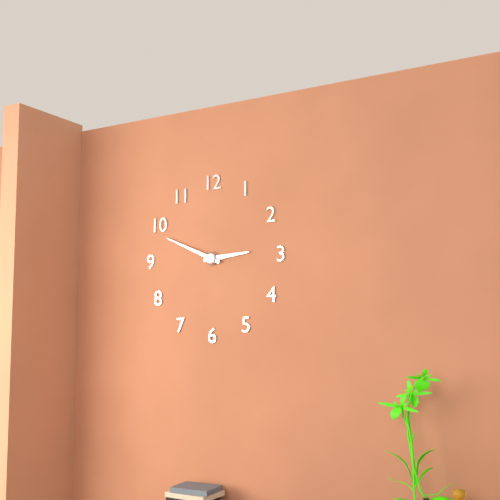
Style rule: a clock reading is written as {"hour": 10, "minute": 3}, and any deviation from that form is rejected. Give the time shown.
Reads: {"hour": 2, "minute": 49}
